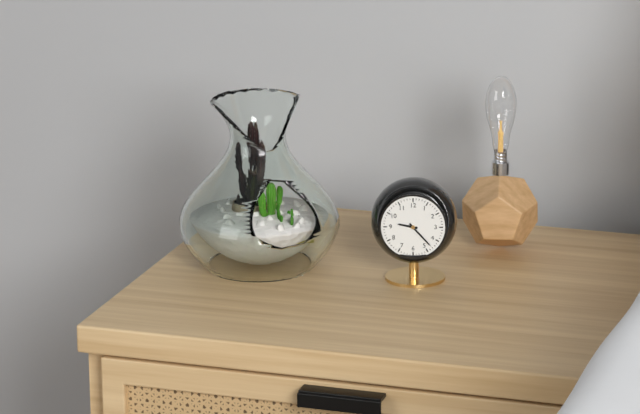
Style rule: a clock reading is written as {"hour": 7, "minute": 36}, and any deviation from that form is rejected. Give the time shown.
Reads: {"hour": 9, "minute": 23}
